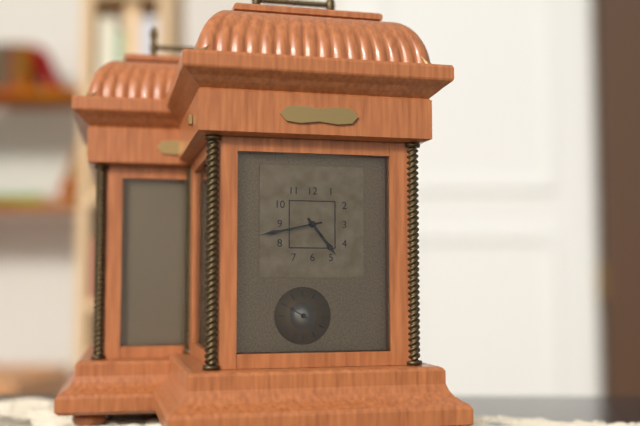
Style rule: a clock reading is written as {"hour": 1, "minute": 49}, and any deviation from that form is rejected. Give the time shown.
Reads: {"hour": 4, "minute": 43}
